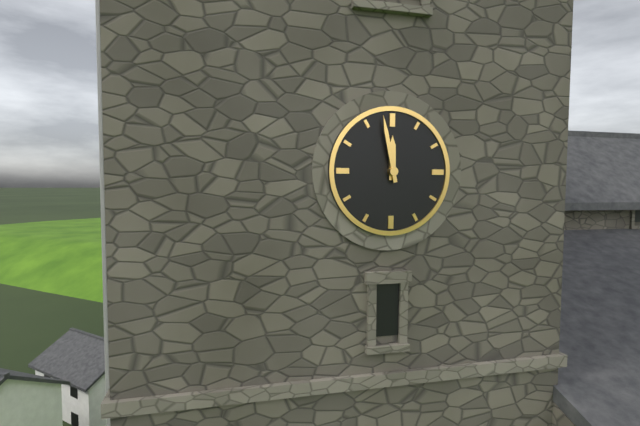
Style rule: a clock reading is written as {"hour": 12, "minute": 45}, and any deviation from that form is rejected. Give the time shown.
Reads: {"hour": 11, "minute": 58}
